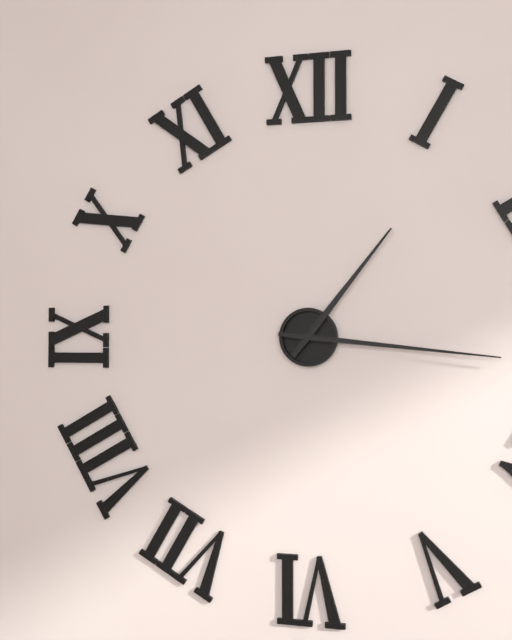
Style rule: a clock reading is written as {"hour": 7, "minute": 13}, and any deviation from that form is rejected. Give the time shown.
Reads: {"hour": 1, "minute": 16}
